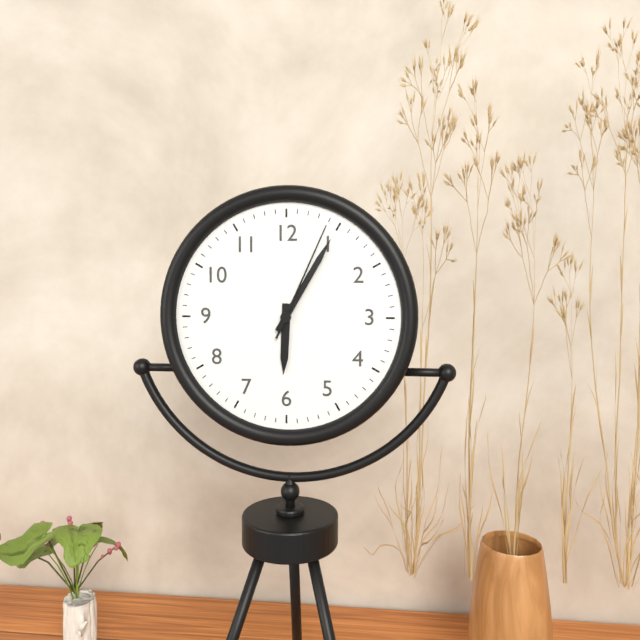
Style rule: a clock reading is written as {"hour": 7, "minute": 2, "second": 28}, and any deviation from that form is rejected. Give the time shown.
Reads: {"hour": 6, "minute": 5, "second": 4}
